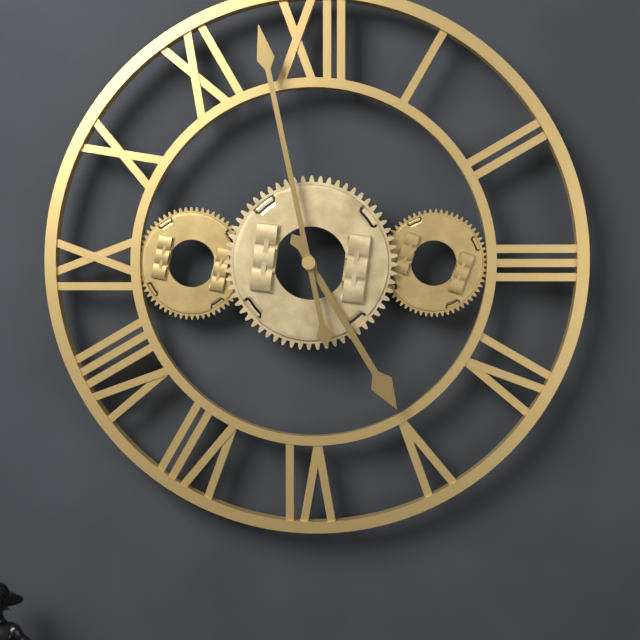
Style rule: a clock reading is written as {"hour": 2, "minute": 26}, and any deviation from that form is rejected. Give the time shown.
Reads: {"hour": 4, "minute": 58}
